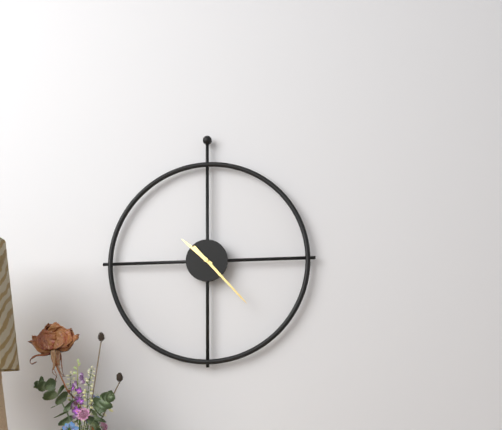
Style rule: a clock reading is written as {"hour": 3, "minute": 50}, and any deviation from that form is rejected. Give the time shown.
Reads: {"hour": 10, "minute": 23}
